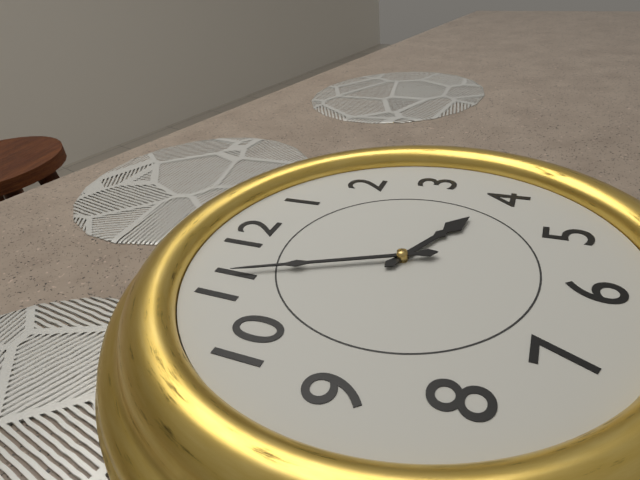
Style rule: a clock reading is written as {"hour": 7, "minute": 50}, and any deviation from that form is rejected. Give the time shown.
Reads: {"hour": 3, "minute": 56}
